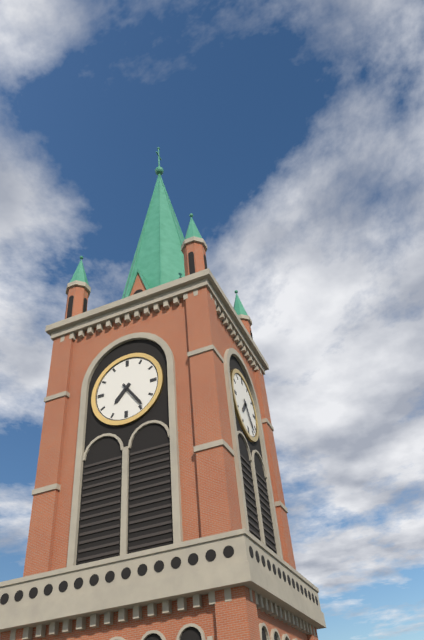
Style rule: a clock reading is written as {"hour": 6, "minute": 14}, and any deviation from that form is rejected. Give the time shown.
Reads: {"hour": 7, "minute": 24}
